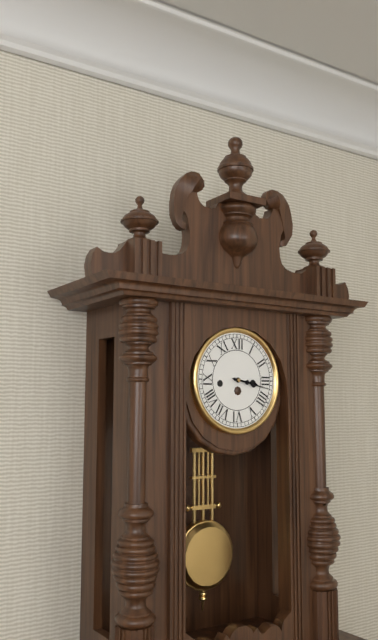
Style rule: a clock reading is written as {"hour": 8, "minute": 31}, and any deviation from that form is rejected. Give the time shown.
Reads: {"hour": 3, "minute": 17}
